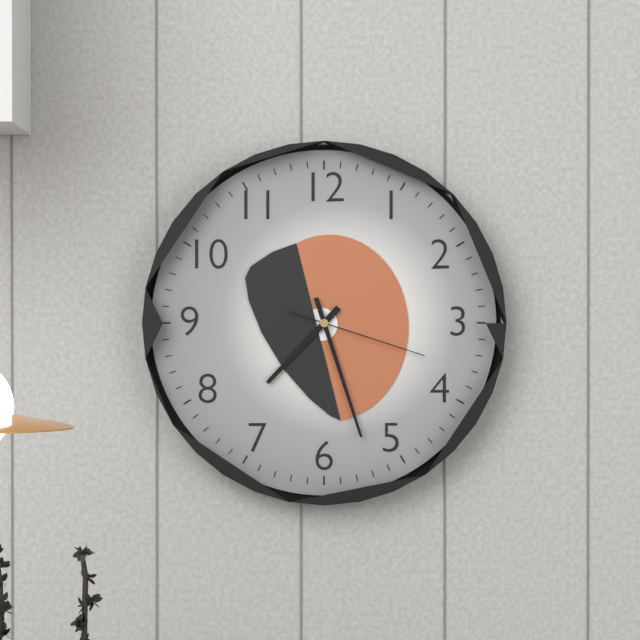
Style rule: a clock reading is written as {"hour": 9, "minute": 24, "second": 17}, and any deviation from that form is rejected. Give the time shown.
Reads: {"hour": 7, "minute": 27, "second": 18}
